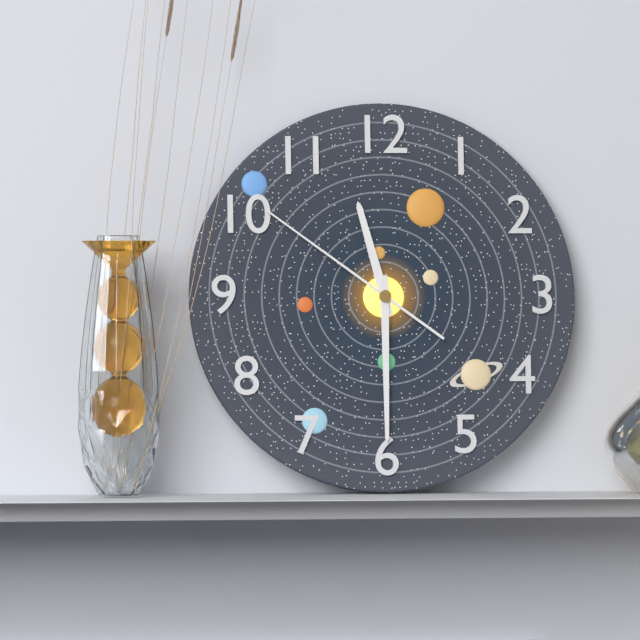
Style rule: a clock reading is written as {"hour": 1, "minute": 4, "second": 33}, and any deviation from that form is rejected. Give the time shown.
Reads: {"hour": 11, "minute": 30, "second": 51}
